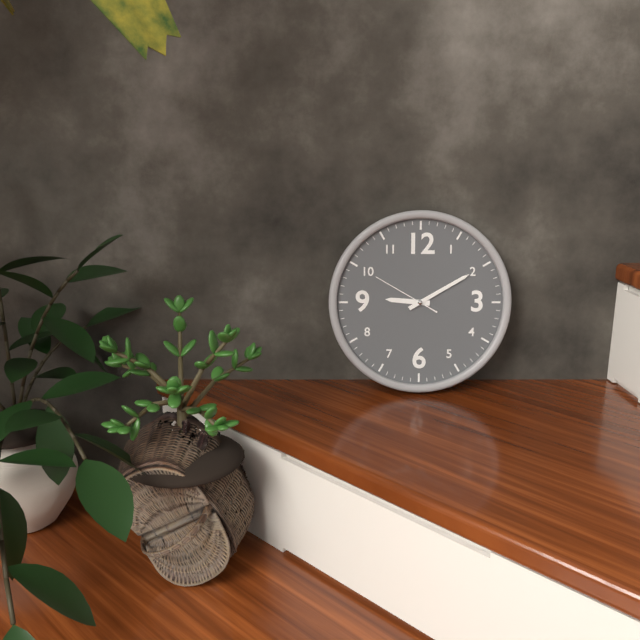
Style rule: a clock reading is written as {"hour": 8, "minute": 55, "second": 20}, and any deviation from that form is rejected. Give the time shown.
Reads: {"hour": 9, "minute": 10, "second": 50}
